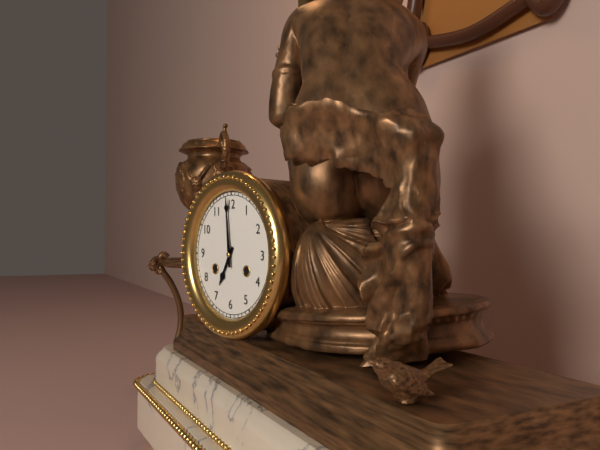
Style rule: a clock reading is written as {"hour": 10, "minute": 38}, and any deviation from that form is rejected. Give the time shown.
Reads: {"hour": 6, "minute": 59}
